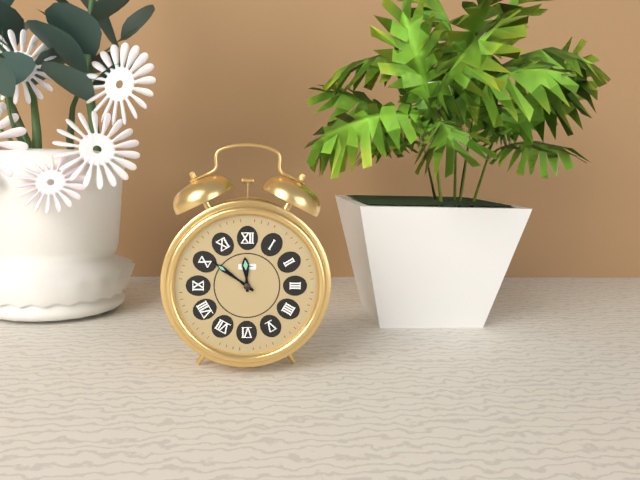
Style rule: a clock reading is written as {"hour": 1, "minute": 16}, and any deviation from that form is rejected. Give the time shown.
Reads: {"hour": 11, "minute": 51}
